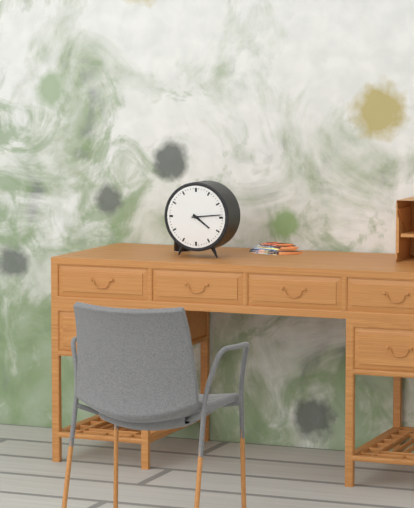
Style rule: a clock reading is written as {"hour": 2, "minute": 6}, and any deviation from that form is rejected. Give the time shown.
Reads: {"hour": 4, "minute": 14}
